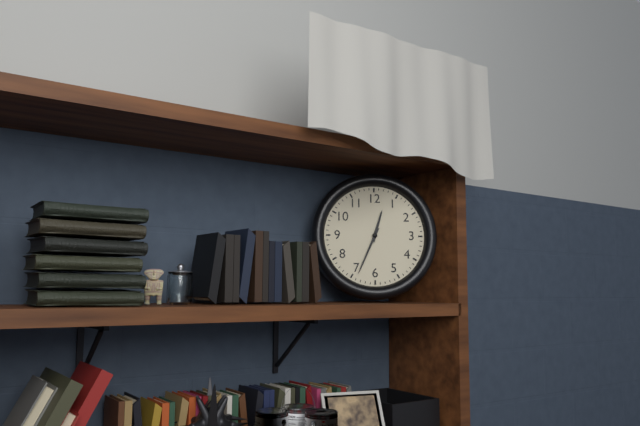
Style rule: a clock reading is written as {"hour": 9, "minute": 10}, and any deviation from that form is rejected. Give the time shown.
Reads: {"hour": 12, "minute": 34}
